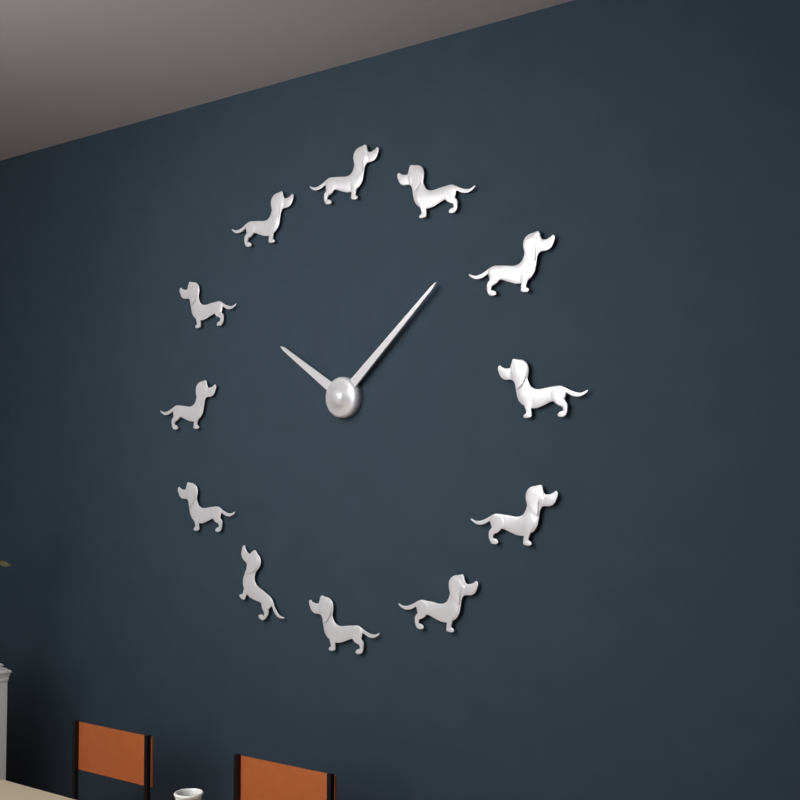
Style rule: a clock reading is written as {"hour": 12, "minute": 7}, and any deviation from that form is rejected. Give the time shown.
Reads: {"hour": 10, "minute": 8}
